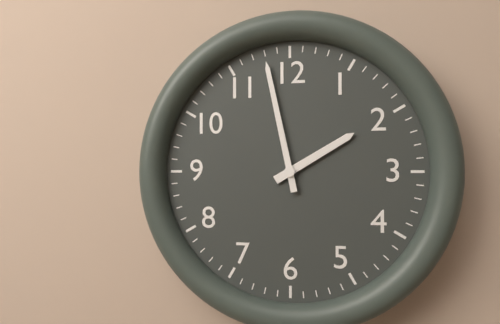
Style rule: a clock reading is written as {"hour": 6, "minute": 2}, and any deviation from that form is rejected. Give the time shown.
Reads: {"hour": 1, "minute": 58}
